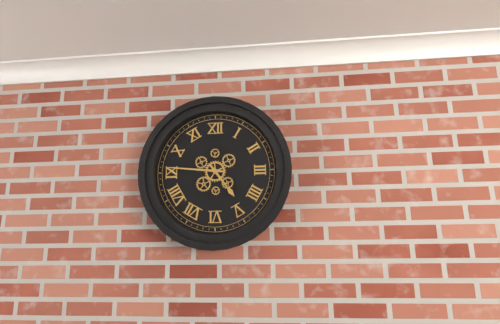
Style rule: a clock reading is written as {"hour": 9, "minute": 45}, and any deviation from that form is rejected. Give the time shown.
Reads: {"hour": 4, "minute": 46}
